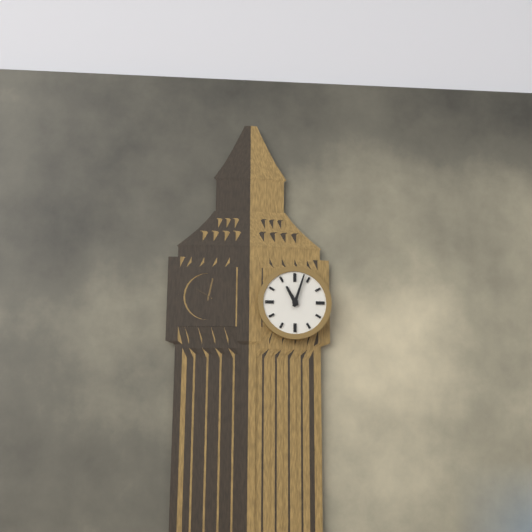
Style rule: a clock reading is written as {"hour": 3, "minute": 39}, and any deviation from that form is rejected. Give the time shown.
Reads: {"hour": 11, "minute": 3}
